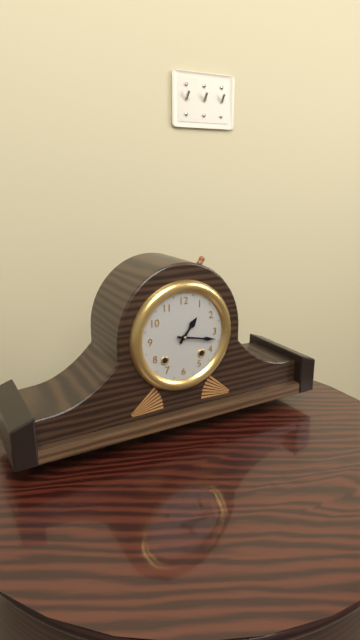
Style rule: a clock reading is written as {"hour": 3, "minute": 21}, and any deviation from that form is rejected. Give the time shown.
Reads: {"hour": 1, "minute": 17}
